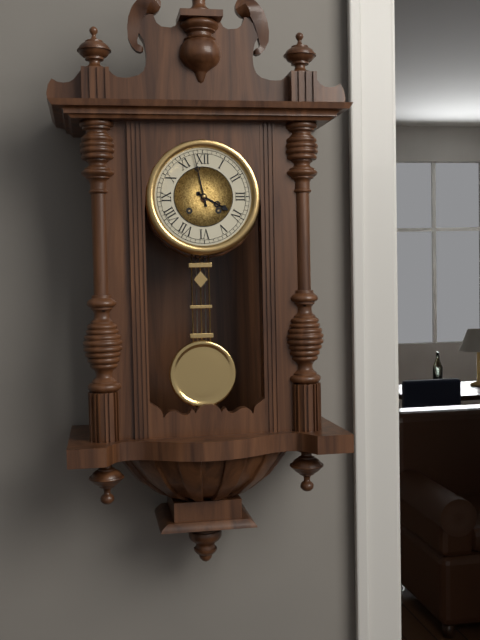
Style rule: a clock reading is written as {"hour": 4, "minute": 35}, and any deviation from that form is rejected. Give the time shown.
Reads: {"hour": 3, "minute": 58}
